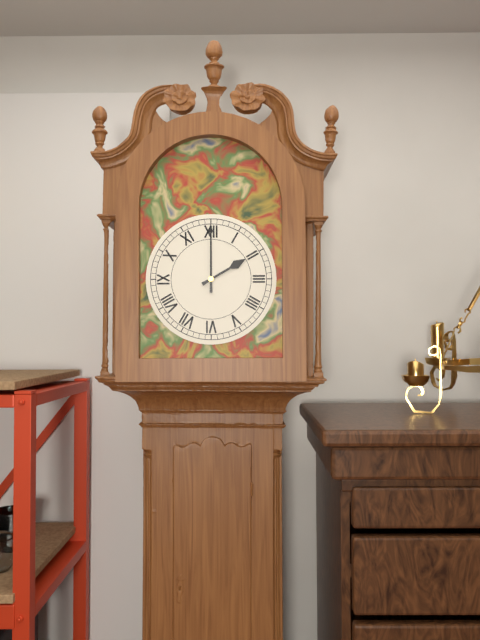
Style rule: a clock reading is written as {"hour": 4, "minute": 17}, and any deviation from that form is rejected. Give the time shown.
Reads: {"hour": 2, "minute": 0}
